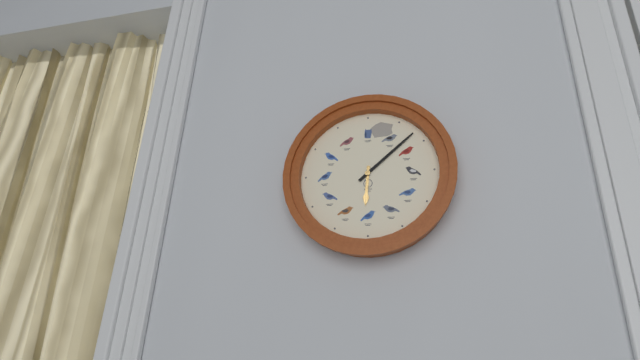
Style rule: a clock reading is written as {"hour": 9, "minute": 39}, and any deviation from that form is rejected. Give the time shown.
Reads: {"hour": 6, "minute": 8}
